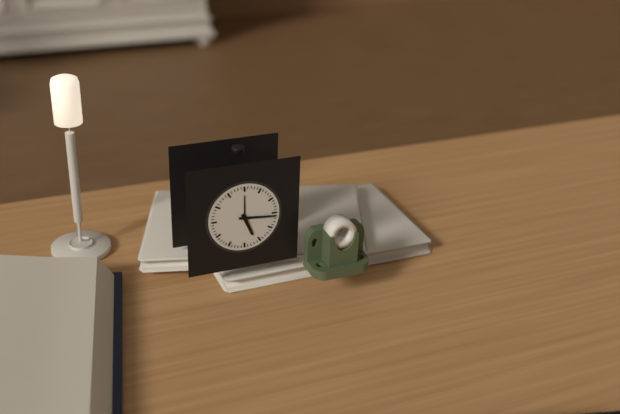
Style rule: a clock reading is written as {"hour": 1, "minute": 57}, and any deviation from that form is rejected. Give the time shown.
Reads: {"hour": 5, "minute": 16}
